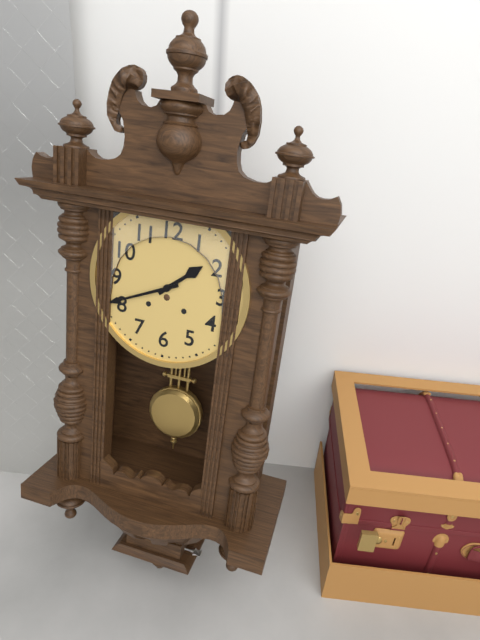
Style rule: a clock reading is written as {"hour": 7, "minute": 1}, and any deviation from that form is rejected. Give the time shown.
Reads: {"hour": 1, "minute": 41}
